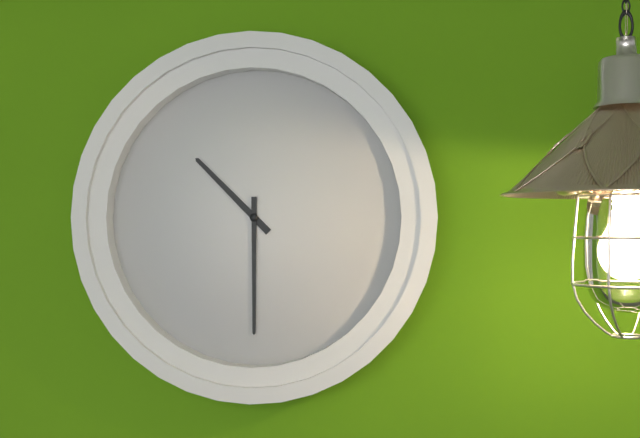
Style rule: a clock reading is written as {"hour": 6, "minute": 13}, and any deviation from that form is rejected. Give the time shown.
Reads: {"hour": 10, "minute": 30}
